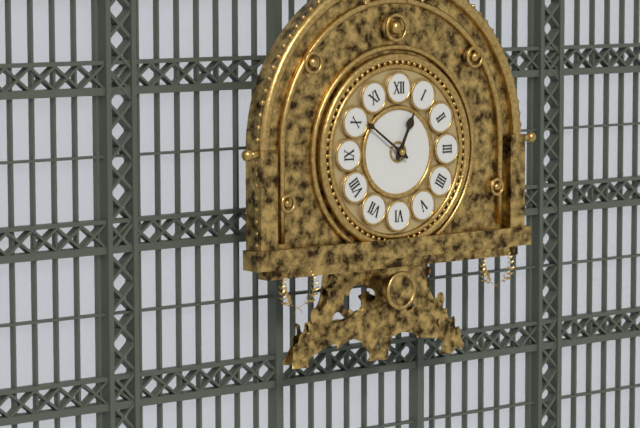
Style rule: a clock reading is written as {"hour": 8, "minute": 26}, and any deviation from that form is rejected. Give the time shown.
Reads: {"hour": 12, "minute": 51}
